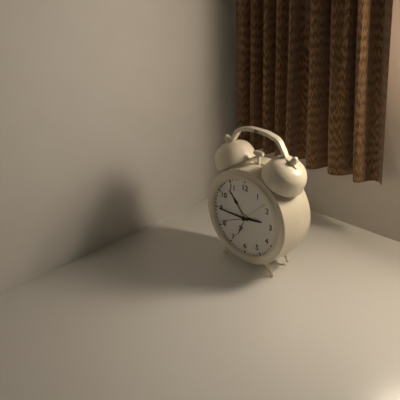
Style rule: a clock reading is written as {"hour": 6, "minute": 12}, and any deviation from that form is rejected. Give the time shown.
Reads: {"hour": 2, "minute": 45}
